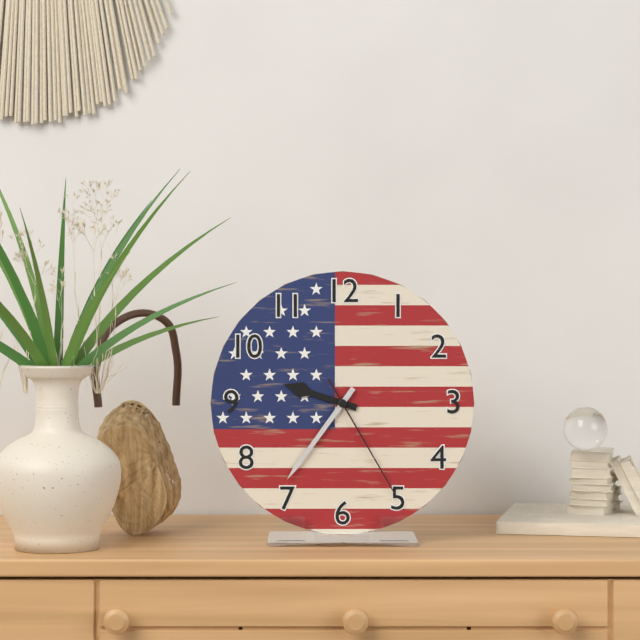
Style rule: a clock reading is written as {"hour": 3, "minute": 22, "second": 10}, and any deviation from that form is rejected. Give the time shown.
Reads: {"hour": 9, "minute": 36, "second": 25}
